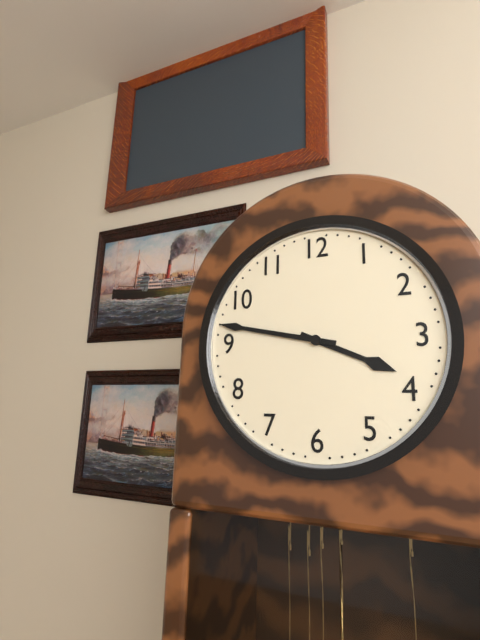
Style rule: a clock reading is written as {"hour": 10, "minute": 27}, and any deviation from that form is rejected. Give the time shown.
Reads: {"hour": 3, "minute": 47}
